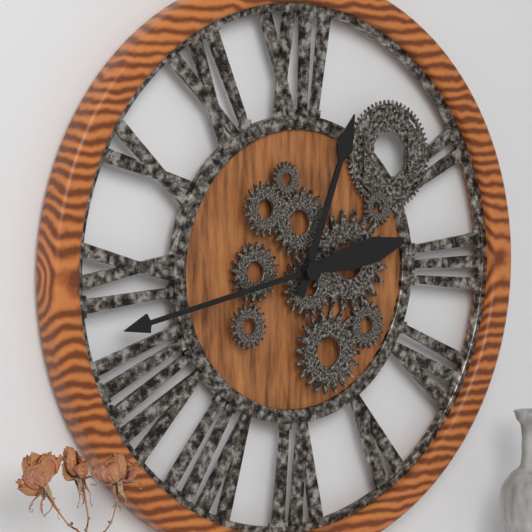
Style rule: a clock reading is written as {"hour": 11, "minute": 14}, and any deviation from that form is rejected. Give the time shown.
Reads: {"hour": 12, "minute": 43}
